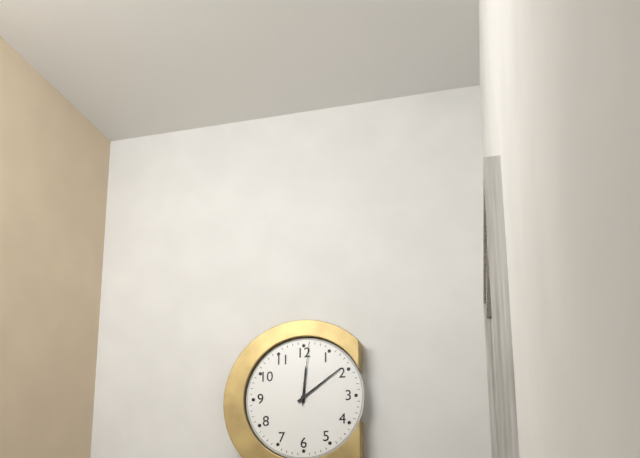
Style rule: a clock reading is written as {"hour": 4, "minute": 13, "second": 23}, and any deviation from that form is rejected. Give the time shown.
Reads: {"hour": 12, "minute": 9, "second": 1}
